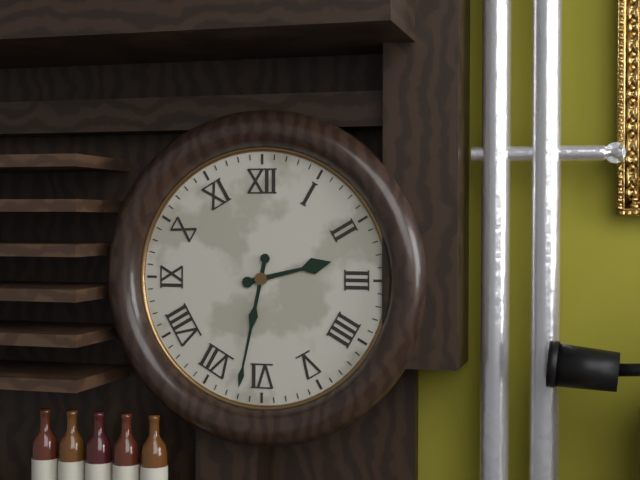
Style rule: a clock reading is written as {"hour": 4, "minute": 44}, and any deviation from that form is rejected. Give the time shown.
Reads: {"hour": 2, "minute": 32}
